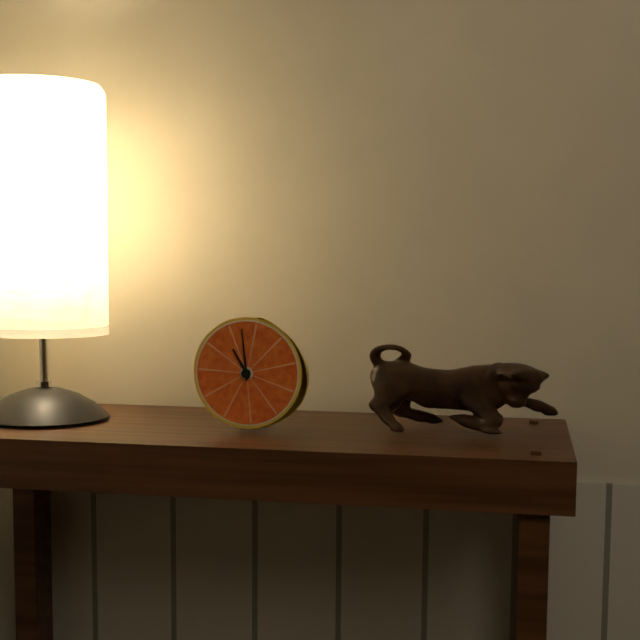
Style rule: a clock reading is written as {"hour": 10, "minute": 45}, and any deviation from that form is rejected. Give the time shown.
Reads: {"hour": 10, "minute": 59}
